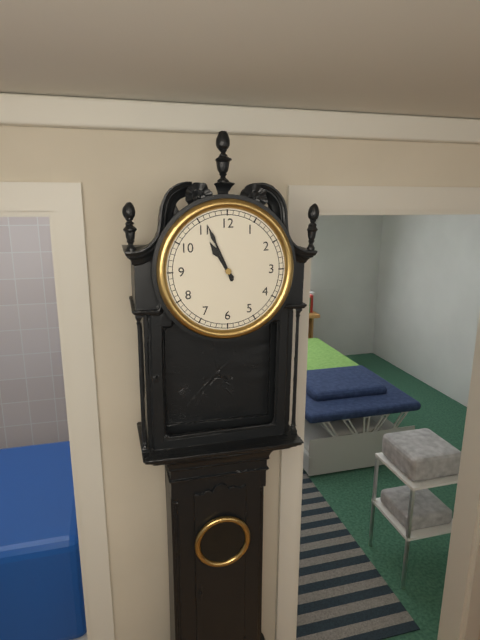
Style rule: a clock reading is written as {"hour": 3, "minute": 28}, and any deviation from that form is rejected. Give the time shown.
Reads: {"hour": 10, "minute": 56}
